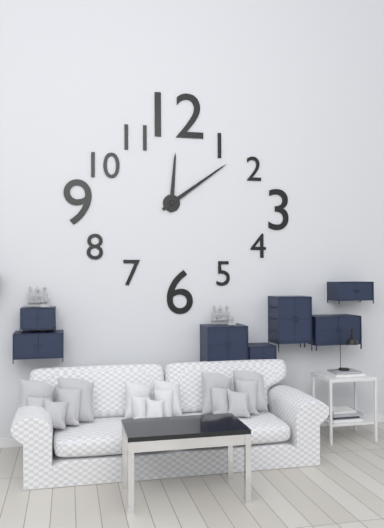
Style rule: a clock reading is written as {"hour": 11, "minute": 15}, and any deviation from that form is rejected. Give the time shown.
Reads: {"hour": 12, "minute": 9}
